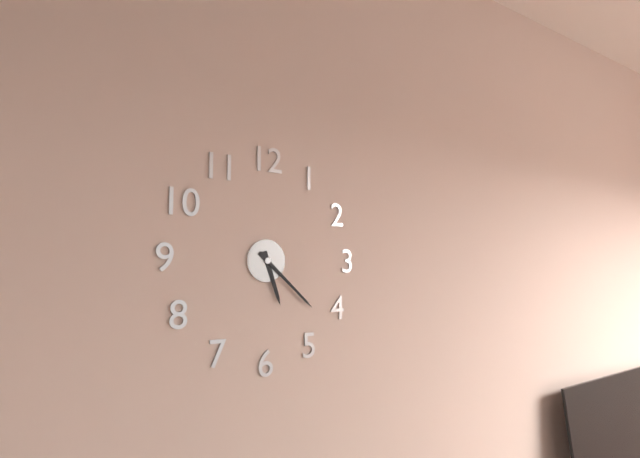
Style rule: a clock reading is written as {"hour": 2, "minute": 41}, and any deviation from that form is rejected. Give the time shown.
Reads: {"hour": 5, "minute": 22}
